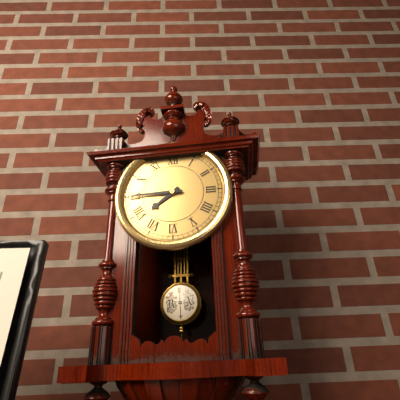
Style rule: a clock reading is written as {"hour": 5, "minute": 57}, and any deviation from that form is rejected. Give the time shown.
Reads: {"hour": 7, "minute": 45}
